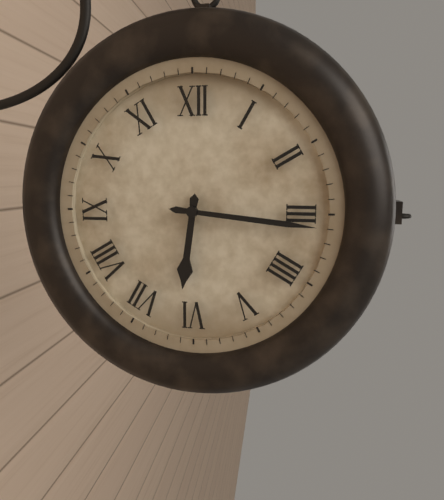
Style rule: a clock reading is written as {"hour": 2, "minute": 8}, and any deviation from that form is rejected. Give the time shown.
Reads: {"hour": 6, "minute": 16}
